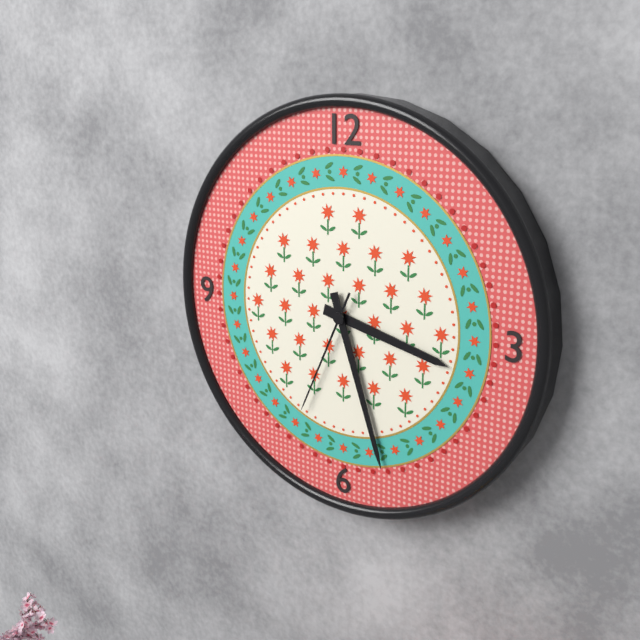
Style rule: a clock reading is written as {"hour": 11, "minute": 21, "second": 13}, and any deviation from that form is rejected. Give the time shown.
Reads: {"hour": 3, "minute": 27, "second": 34}
